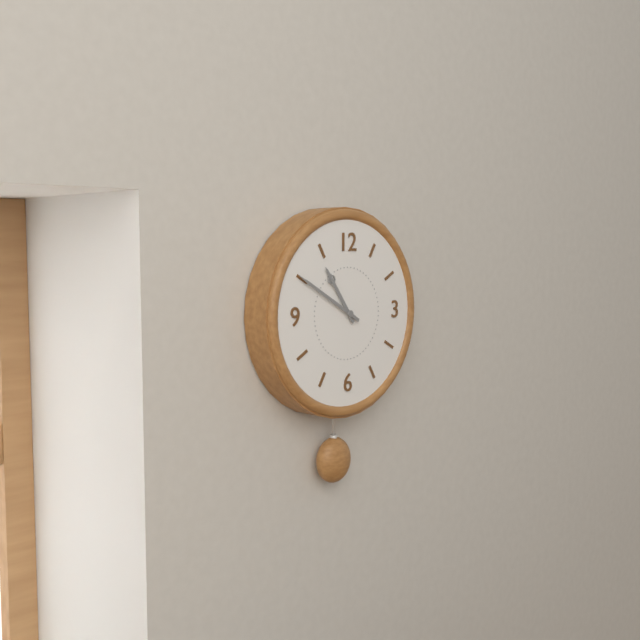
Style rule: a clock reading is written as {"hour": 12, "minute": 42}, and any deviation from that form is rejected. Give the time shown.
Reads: {"hour": 10, "minute": 50}
